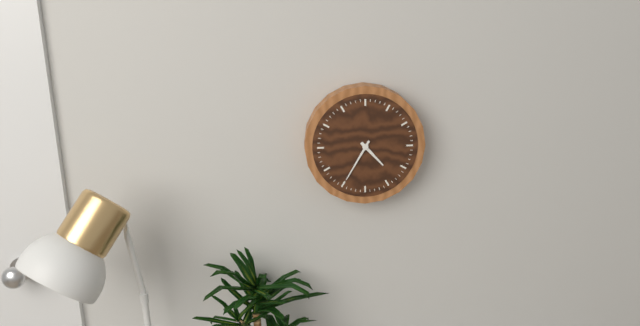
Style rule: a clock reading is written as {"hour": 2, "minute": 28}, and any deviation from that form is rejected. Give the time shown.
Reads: {"hour": 4, "minute": 35}
